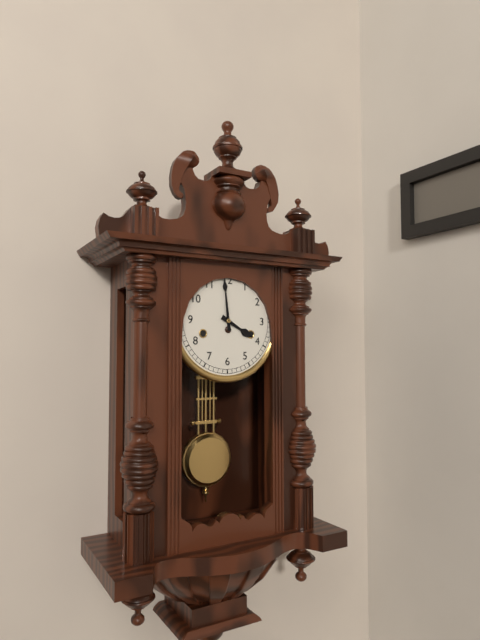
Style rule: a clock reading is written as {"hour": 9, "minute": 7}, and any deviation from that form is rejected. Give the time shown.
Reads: {"hour": 3, "minute": 59}
